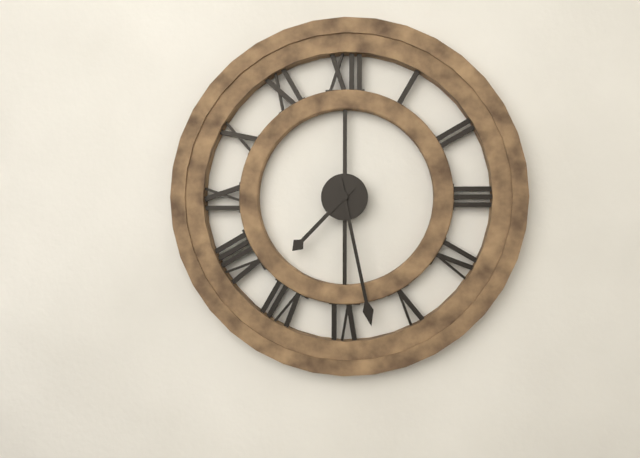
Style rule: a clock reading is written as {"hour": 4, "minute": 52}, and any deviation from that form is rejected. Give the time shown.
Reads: {"hour": 7, "minute": 28}
